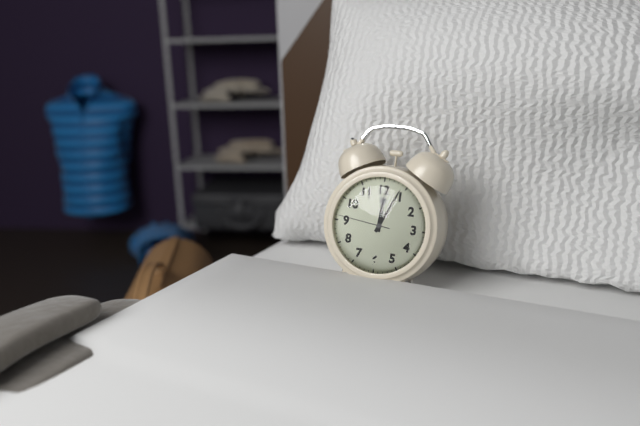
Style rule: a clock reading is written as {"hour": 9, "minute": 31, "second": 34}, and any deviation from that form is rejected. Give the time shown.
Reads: {"hour": 12, "minute": 4, "second": 46}
